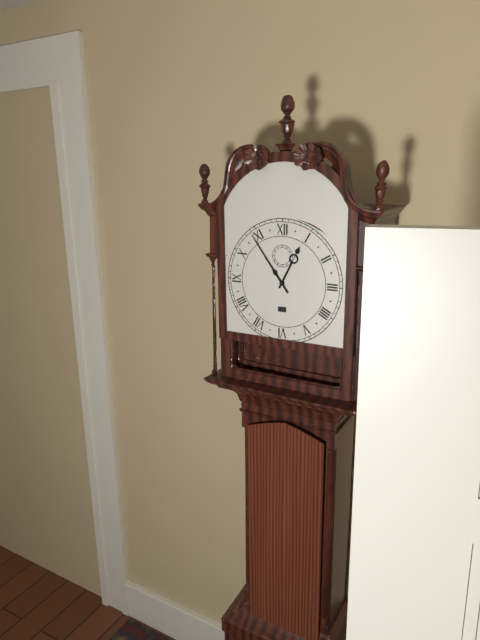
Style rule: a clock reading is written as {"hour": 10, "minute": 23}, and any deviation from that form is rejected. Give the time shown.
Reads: {"hour": 12, "minute": 54}
